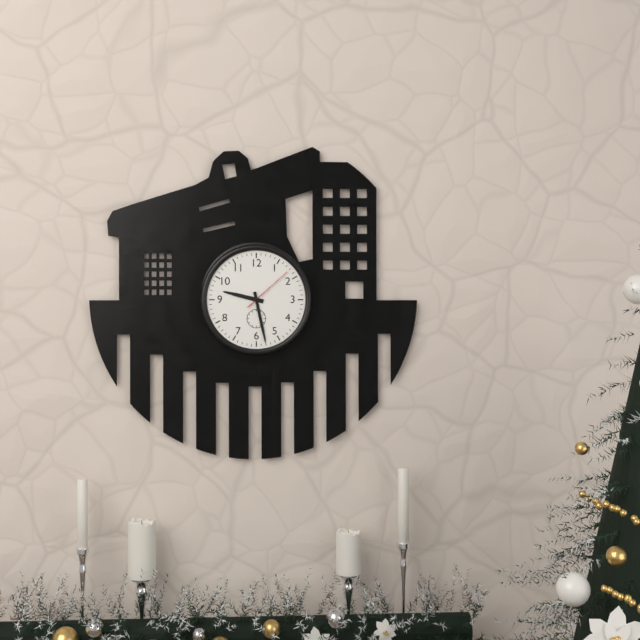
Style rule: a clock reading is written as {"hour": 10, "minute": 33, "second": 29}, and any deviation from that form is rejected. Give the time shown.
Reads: {"hour": 9, "minute": 28, "second": 8}
